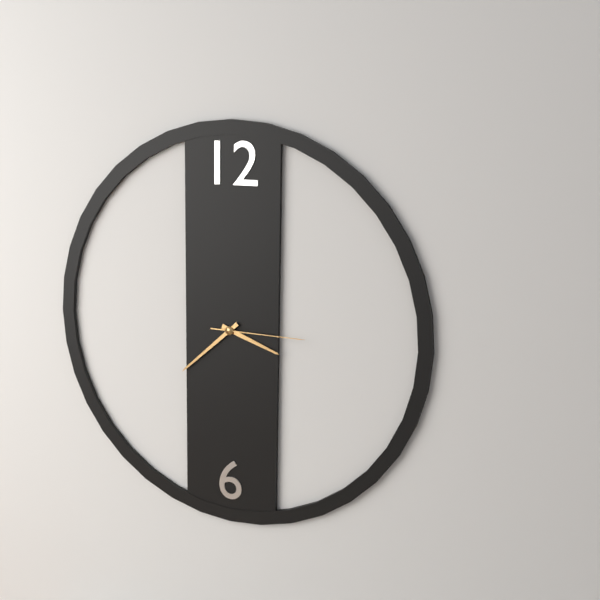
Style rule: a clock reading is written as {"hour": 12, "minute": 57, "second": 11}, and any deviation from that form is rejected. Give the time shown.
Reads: {"hour": 3, "minute": 38, "second": 15}
